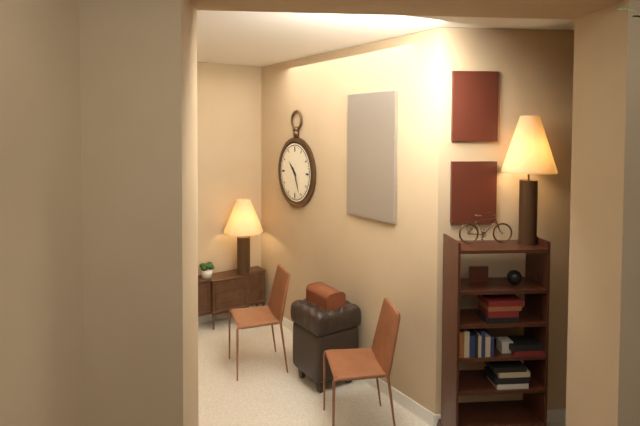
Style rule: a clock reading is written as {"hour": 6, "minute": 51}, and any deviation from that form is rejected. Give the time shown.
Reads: {"hour": 10, "minute": 26}
